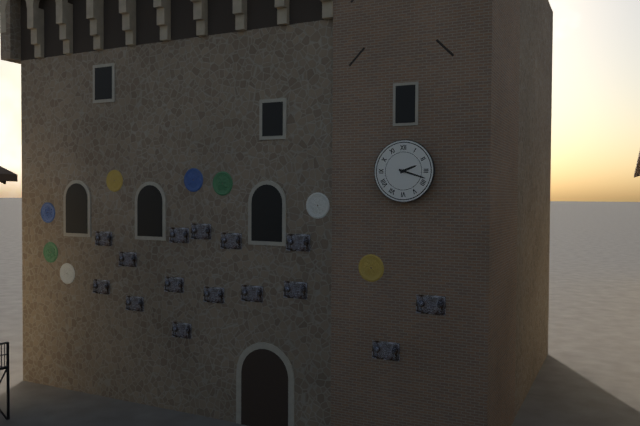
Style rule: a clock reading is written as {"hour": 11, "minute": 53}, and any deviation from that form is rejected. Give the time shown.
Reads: {"hour": 2, "minute": 18}
